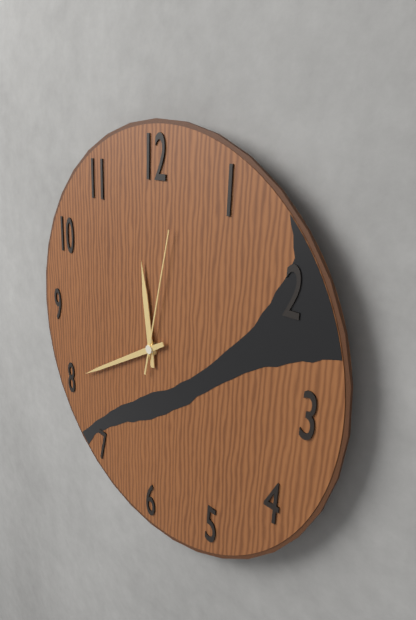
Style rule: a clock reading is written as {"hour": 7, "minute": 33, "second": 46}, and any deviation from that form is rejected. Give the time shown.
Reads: {"hour": 11, "minute": 40, "second": 2}
